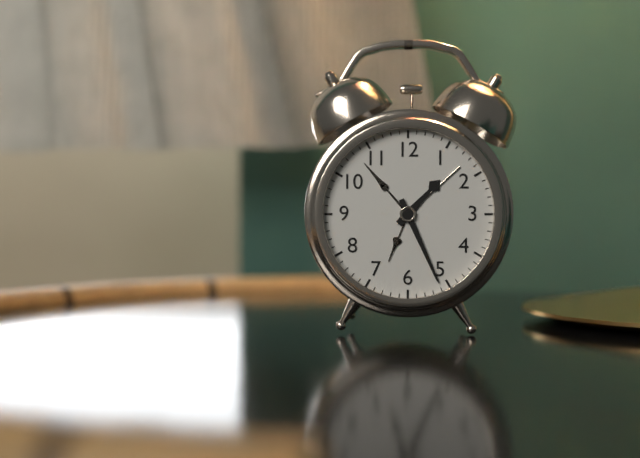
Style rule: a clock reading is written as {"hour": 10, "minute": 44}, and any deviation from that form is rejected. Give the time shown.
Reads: {"hour": 1, "minute": 26}
